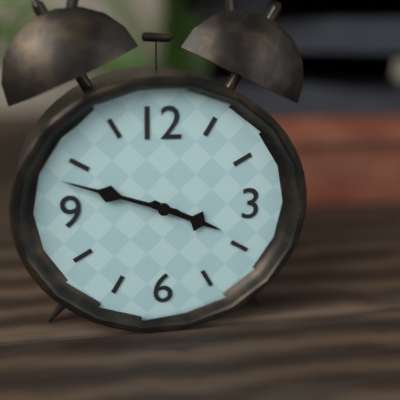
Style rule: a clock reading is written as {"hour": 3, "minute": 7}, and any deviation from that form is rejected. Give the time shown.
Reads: {"hour": 3, "minute": 48}
